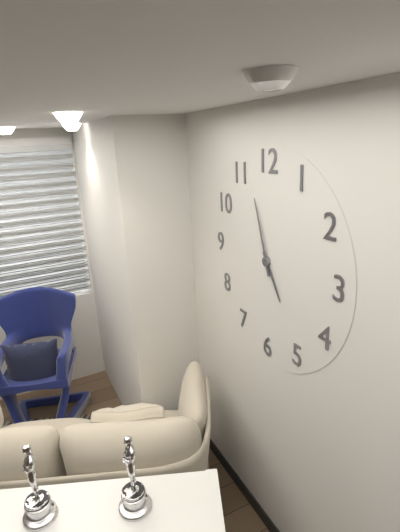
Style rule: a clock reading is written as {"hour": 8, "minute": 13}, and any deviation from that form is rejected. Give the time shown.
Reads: {"hour": 4, "minute": 57}
